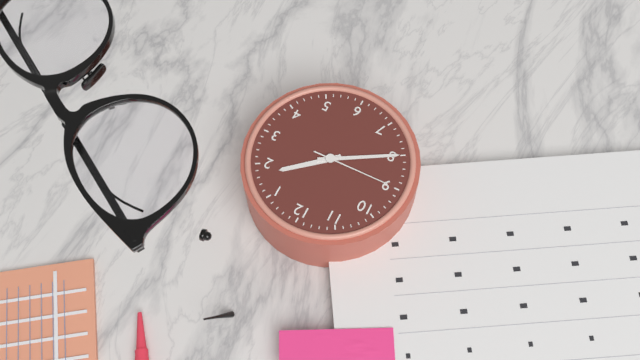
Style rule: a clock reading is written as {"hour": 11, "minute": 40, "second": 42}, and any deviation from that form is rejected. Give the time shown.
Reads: {"hour": 1, "minute": 40, "second": 45}
